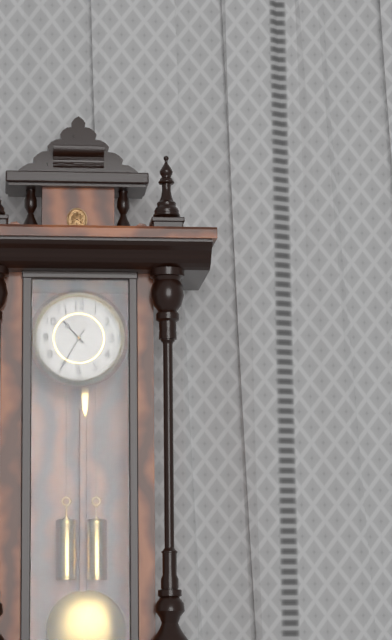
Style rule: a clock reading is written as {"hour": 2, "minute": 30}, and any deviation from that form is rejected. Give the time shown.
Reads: {"hour": 10, "minute": 35}
